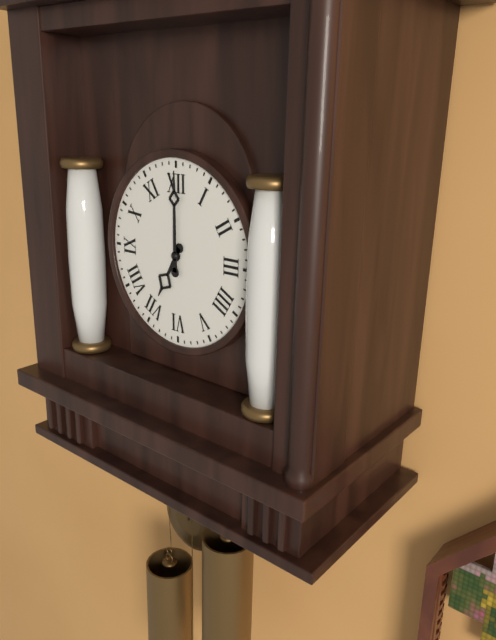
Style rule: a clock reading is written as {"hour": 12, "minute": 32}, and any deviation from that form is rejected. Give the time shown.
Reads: {"hour": 7, "minute": 0}
